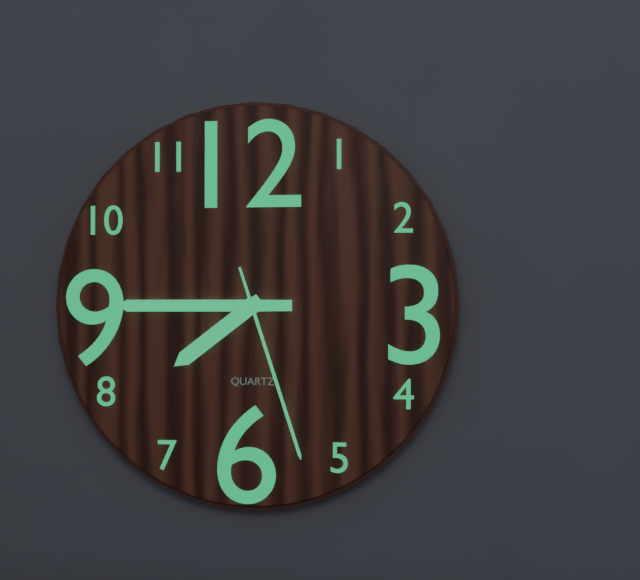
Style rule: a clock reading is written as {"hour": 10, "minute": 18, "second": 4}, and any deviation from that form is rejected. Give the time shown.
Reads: {"hour": 7, "minute": 45, "second": 27}
